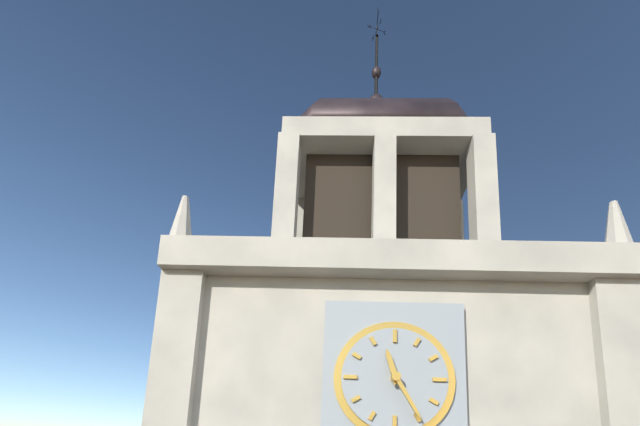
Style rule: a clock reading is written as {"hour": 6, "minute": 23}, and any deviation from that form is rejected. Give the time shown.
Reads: {"hour": 11, "minute": 25}
